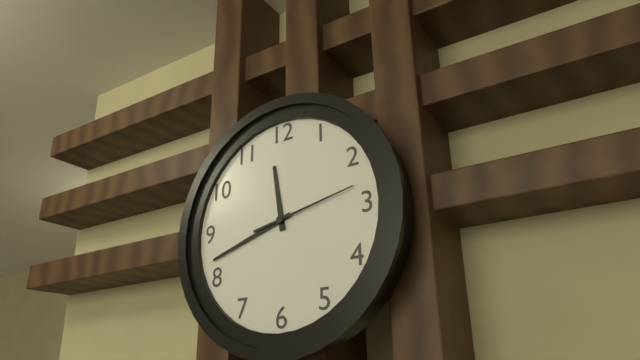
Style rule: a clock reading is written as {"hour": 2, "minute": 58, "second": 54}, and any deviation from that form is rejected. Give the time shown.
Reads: {"hour": 11, "minute": 42, "second": 13}
